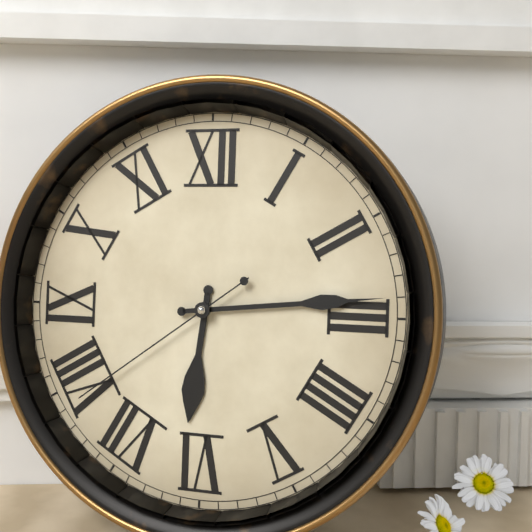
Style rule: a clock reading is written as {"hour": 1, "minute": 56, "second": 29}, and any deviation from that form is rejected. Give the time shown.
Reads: {"hour": 6, "minute": 14, "second": 39}
